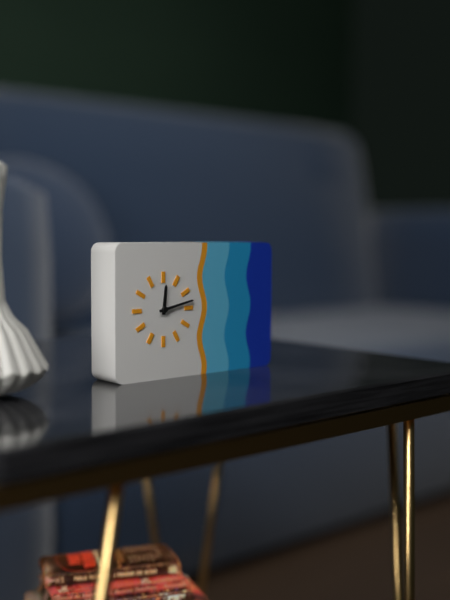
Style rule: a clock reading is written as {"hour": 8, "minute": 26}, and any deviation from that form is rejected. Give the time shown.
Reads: {"hour": 12, "minute": 13}
